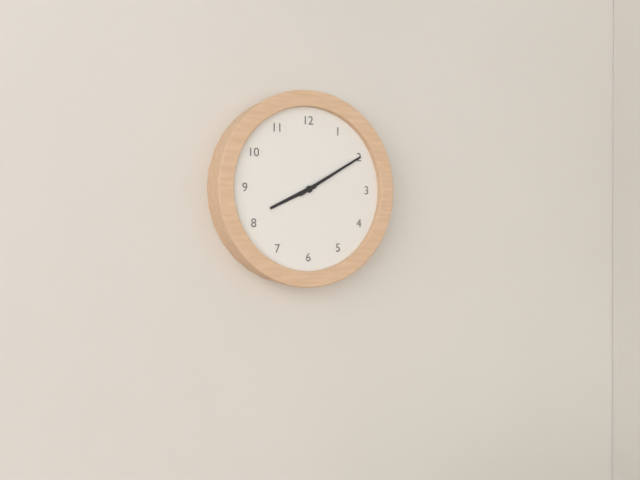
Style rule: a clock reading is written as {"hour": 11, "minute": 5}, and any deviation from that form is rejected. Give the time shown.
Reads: {"hour": 8, "minute": 10}
